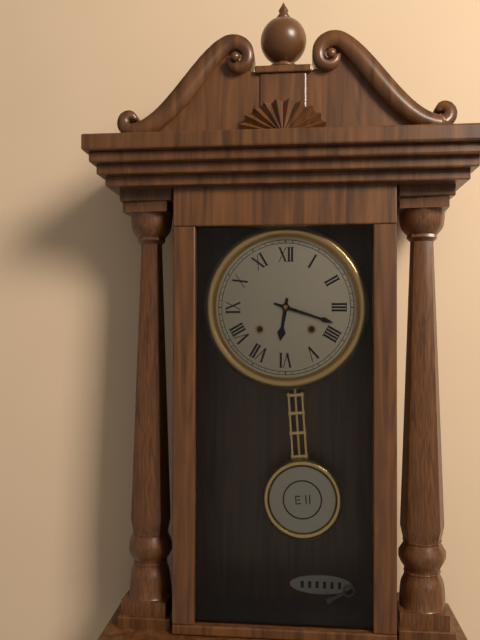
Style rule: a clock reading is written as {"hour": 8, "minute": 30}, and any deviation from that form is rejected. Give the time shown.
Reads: {"hour": 6, "minute": 18}
